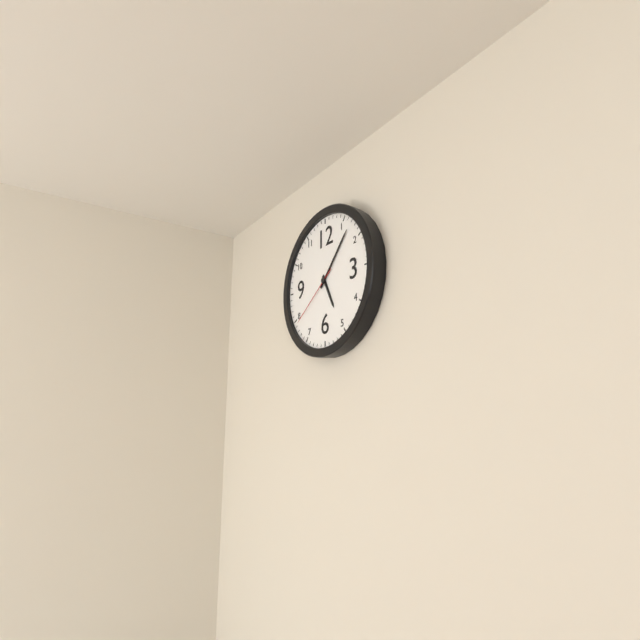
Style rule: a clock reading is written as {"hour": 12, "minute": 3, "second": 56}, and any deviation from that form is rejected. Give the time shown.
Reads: {"hour": 5, "minute": 7, "second": 39}
